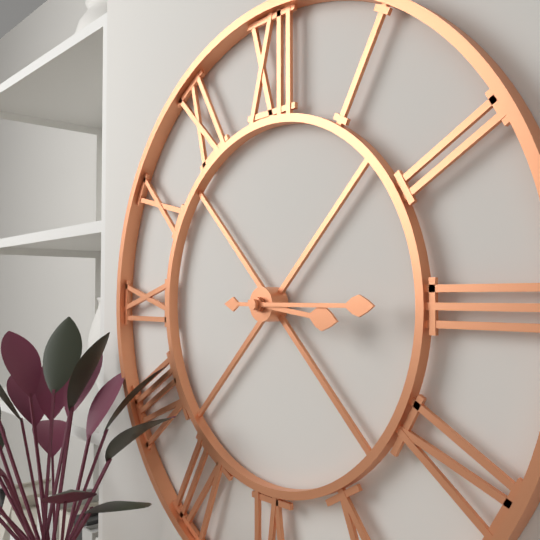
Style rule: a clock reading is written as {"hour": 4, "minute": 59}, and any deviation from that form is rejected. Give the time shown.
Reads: {"hour": 3, "minute": 15}
